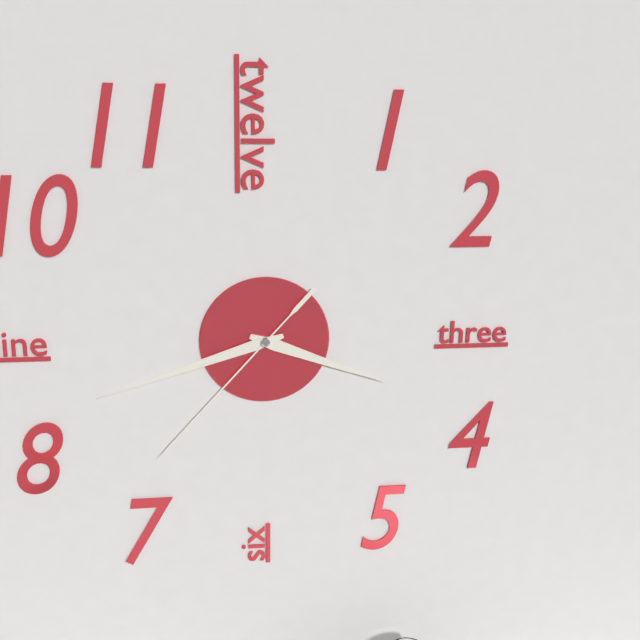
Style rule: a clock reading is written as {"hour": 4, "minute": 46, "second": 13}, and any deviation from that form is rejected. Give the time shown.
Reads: {"hour": 3, "minute": 42, "second": 37}
